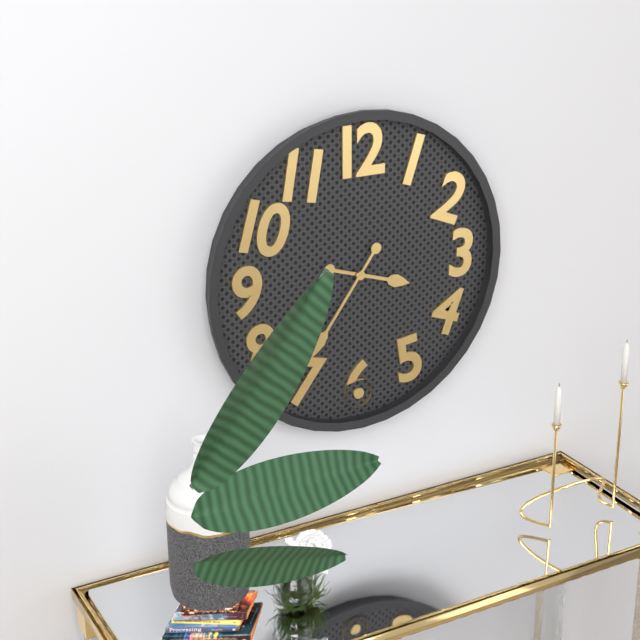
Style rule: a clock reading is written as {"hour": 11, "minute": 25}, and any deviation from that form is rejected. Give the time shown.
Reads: {"hour": 3, "minute": 36}
